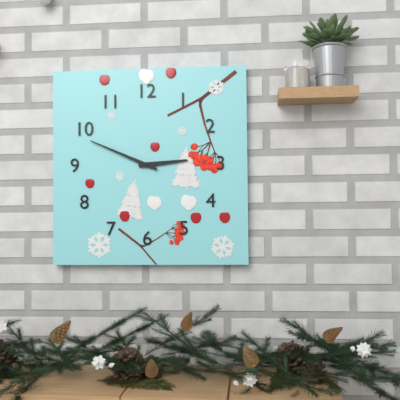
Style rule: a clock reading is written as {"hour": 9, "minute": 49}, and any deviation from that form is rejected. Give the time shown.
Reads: {"hour": 2, "minute": 49}
